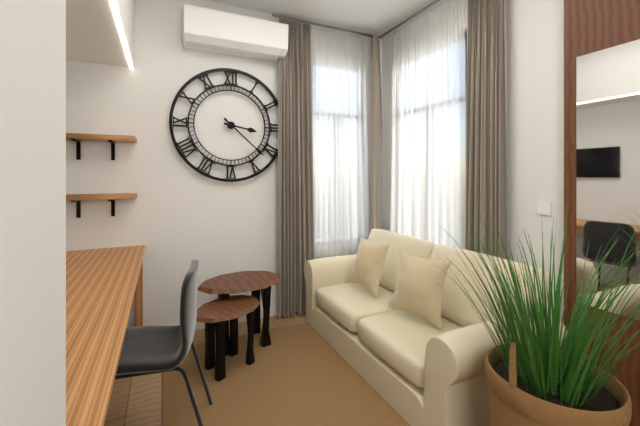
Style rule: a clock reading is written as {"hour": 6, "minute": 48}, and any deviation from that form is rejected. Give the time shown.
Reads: {"hour": 3, "minute": 22}
